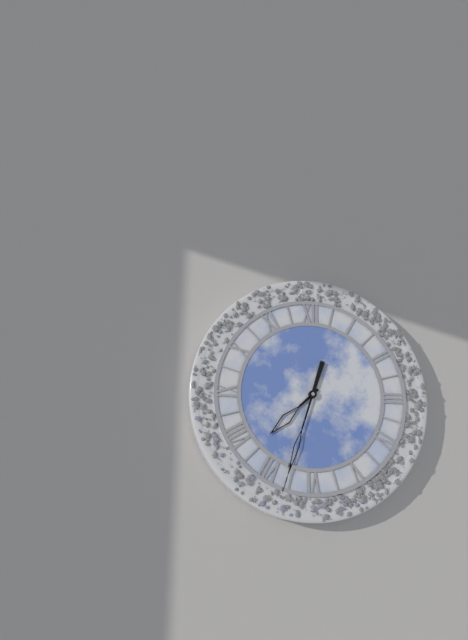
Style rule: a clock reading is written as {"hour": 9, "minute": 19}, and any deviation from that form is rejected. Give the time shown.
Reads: {"hour": 7, "minute": 33}
